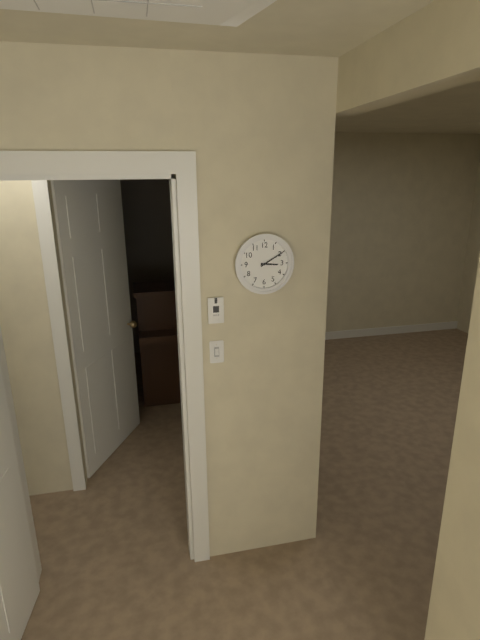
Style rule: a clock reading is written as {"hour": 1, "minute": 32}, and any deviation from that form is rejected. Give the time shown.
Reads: {"hour": 3, "minute": 10}
